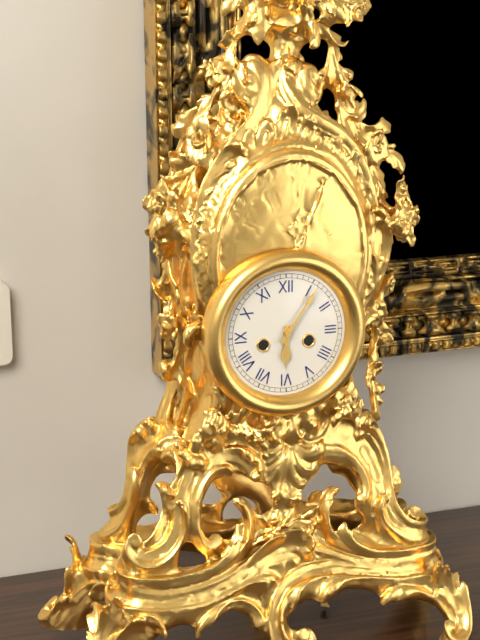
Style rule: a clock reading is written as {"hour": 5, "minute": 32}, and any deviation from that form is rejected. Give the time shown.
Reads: {"hour": 6, "minute": 6}
